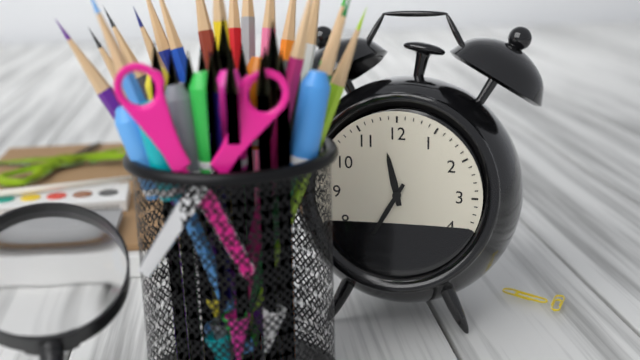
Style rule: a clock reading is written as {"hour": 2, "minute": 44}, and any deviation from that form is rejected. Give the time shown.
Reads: {"hour": 11, "minute": 35}
